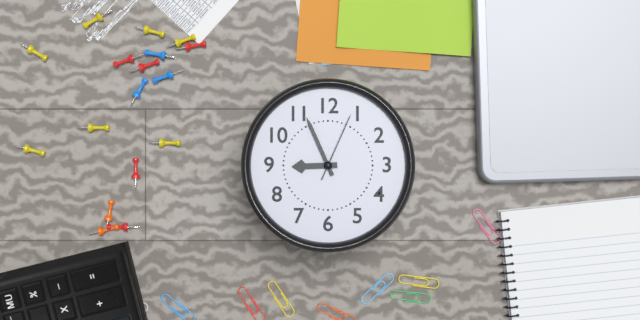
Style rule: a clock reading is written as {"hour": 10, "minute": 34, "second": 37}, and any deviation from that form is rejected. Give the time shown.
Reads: {"hour": 8, "minute": 56, "second": 4}
